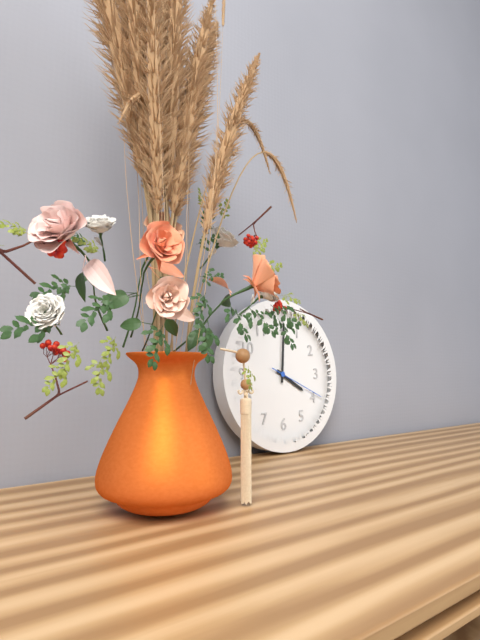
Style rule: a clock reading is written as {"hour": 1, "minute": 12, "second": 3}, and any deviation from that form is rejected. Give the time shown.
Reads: {"hour": 4, "minute": 1, "second": 19}
